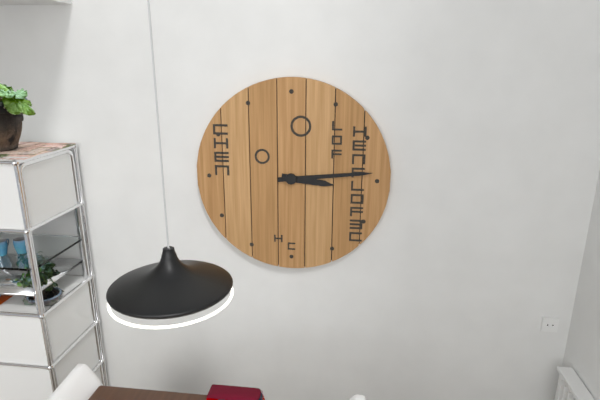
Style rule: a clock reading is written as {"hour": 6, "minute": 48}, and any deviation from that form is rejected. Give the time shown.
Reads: {"hour": 3, "minute": 14}
